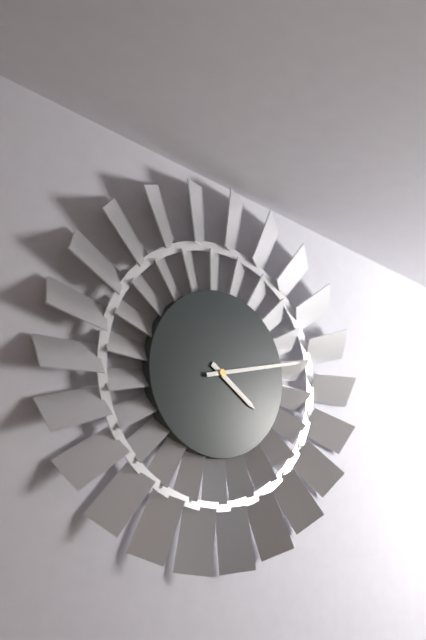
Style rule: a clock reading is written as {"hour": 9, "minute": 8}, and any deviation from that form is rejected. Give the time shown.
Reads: {"hour": 4, "minute": 13}
